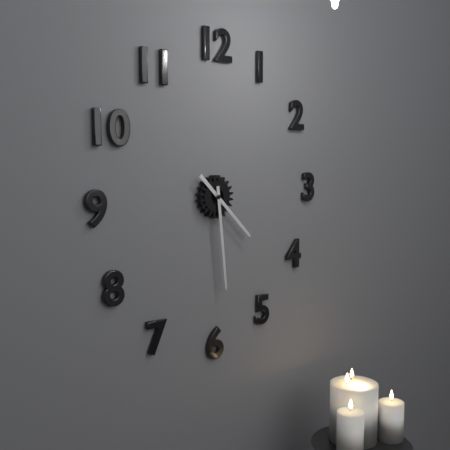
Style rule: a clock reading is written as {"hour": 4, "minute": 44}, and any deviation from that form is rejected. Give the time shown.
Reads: {"hour": 4, "minute": 29}
